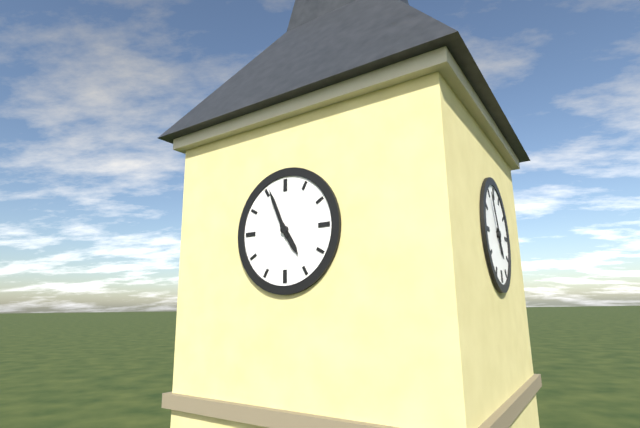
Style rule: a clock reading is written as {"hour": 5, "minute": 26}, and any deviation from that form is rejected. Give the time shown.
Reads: {"hour": 4, "minute": 56}
